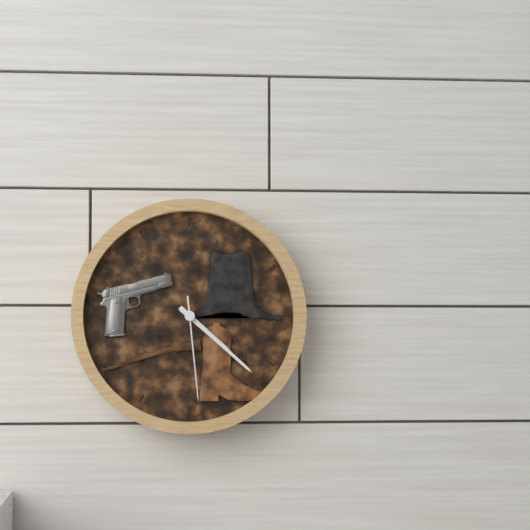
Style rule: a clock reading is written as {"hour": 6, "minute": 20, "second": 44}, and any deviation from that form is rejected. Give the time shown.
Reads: {"hour": 4, "minute": 22, "second": 29}
